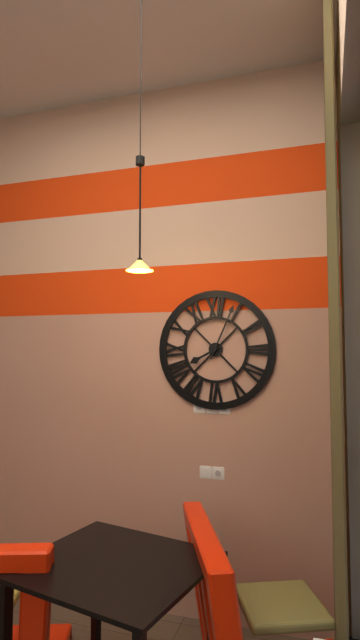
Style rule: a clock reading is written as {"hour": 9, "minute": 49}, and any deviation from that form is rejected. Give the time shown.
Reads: {"hour": 8, "minute": 4}
